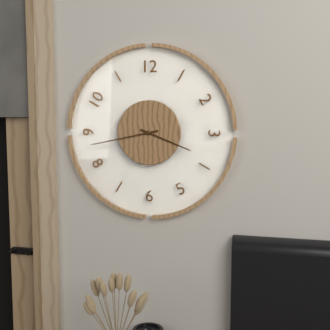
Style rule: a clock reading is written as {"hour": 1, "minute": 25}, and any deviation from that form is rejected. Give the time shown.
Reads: {"hour": 3, "minute": 43}
